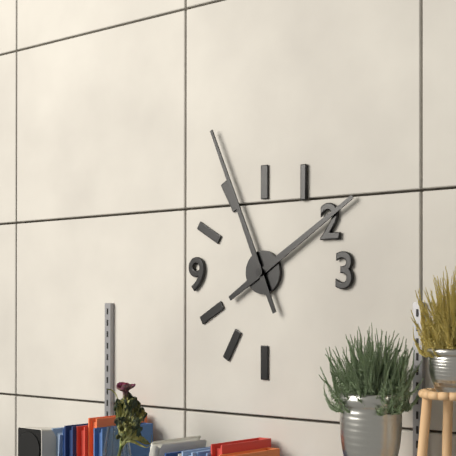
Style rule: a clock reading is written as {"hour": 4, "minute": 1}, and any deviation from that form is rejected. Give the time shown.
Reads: {"hour": 1, "minute": 56}
